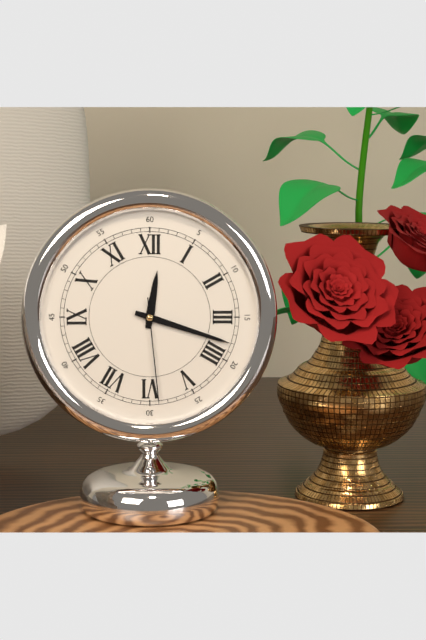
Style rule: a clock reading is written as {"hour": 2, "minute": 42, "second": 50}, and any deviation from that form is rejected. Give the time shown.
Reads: {"hour": 12, "minute": 18, "second": 29}
